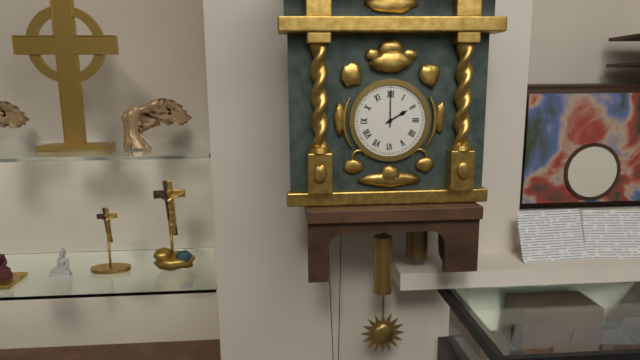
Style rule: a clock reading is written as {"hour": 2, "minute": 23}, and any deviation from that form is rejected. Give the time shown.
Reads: {"hour": 2, "minute": 0}
